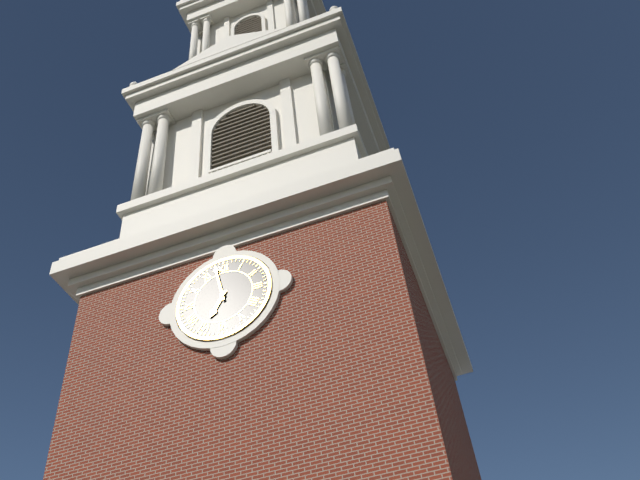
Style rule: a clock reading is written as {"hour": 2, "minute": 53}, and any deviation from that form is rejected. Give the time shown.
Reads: {"hour": 6, "minute": 58}
